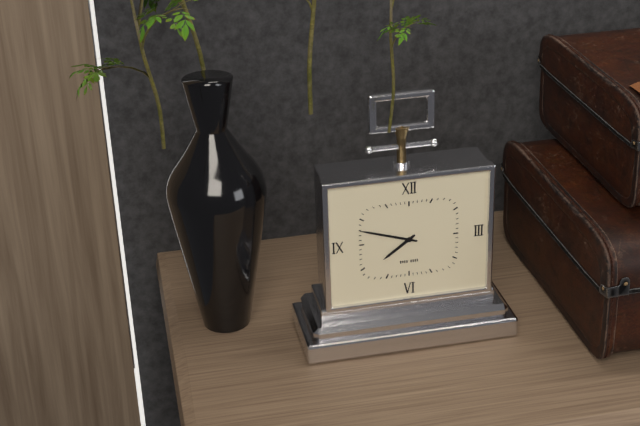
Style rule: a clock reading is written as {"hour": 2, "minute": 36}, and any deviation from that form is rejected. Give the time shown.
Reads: {"hour": 7, "minute": 48}
